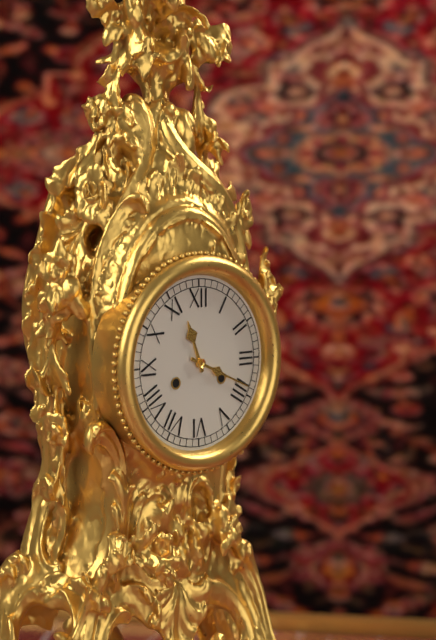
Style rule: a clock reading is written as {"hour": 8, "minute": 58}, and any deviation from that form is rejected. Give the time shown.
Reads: {"hour": 11, "minute": 19}
